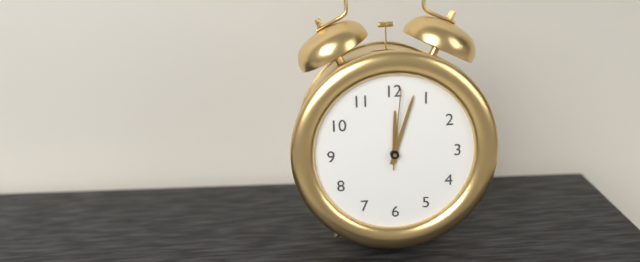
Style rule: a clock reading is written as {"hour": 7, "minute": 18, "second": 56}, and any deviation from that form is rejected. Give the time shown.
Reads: {"hour": 12, "minute": 3, "second": 1}
